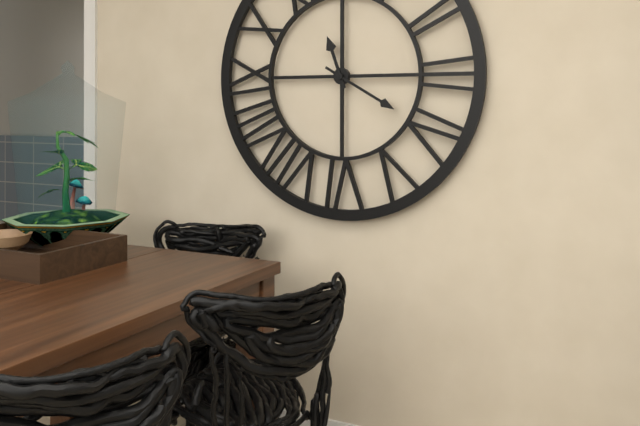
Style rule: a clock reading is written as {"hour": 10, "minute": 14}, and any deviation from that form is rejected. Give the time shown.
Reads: {"hour": 11, "minute": 20}
